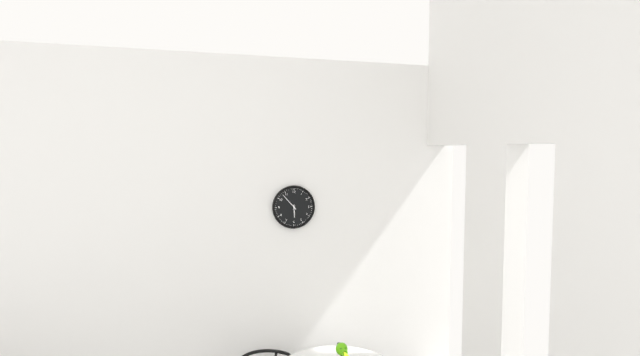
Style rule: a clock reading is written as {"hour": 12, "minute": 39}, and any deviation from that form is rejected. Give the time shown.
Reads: {"hour": 5, "minute": 53}
